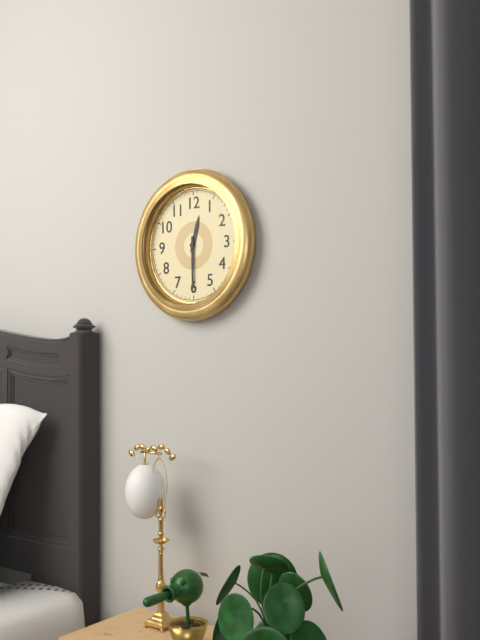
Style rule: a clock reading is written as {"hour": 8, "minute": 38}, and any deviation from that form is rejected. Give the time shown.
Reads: {"hour": 12, "minute": 30}
